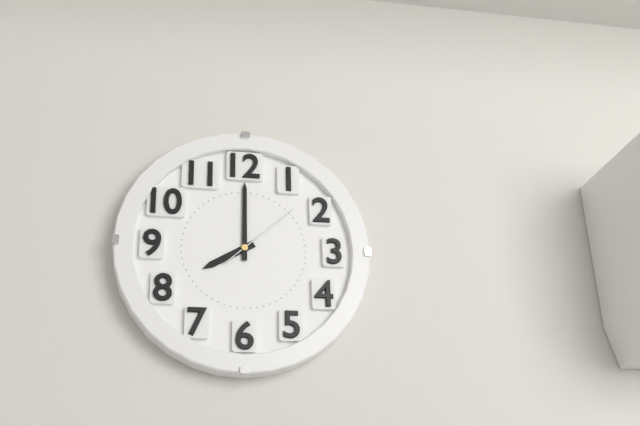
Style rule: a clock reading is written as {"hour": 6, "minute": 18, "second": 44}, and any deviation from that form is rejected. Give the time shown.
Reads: {"hour": 8, "minute": 0, "second": 8}
